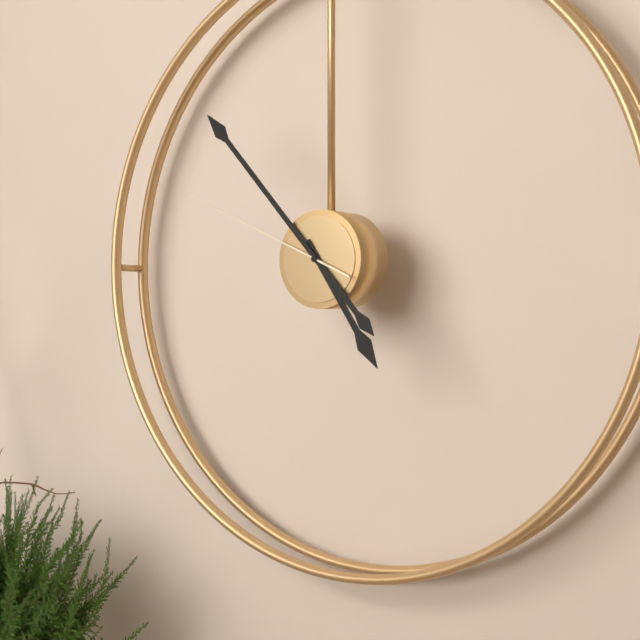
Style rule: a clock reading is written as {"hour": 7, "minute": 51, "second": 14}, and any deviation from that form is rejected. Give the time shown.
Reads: {"hour": 4, "minute": 53, "second": 49}
